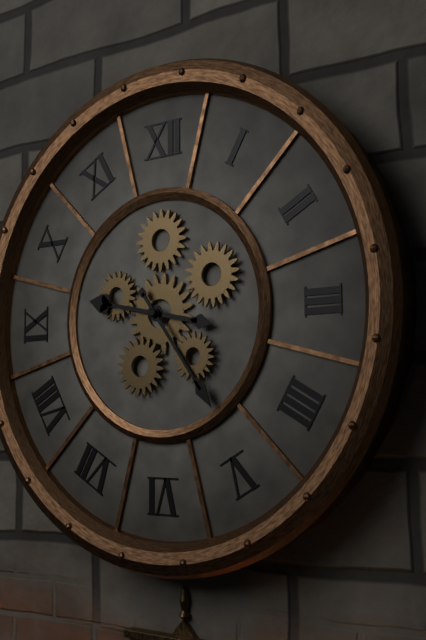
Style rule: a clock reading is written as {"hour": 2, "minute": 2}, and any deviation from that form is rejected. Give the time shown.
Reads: {"hour": 9, "minute": 24}
